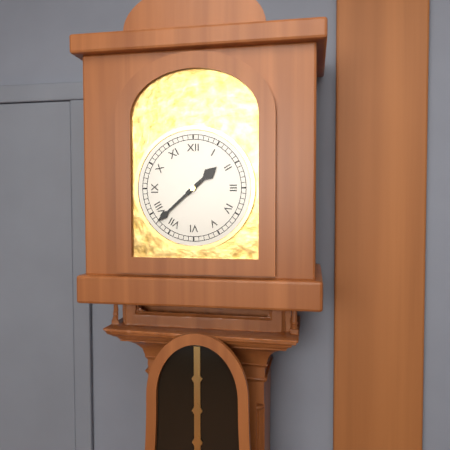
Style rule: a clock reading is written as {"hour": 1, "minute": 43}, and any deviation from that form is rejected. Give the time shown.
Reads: {"hour": 1, "minute": 38}
